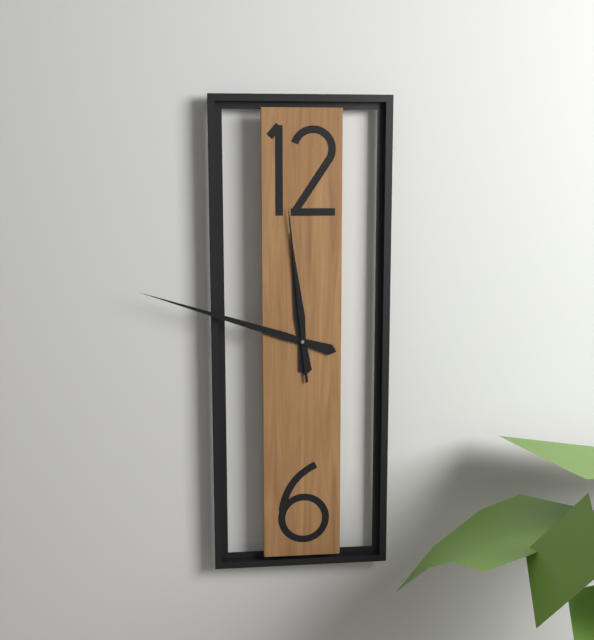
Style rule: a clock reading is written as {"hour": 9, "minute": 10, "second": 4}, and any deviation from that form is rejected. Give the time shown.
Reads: {"hour": 11, "minute": 48, "second": 59}
